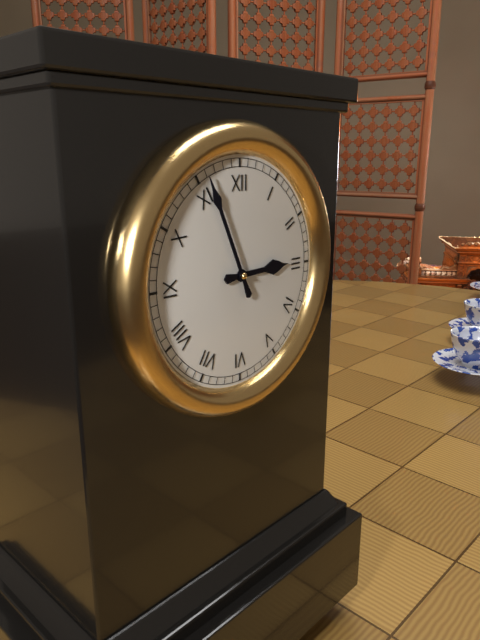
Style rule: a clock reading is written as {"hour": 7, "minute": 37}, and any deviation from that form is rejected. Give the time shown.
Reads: {"hour": 2, "minute": 56}
